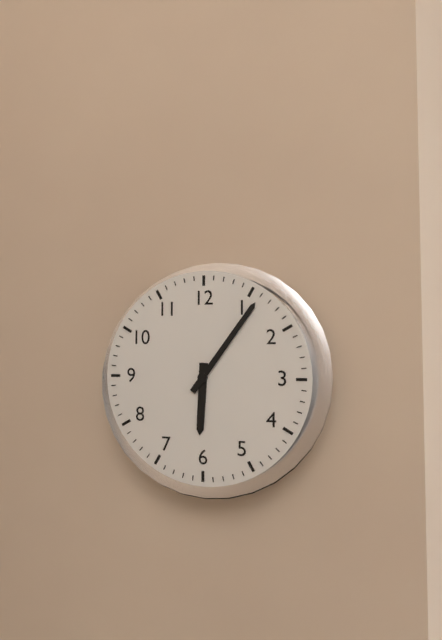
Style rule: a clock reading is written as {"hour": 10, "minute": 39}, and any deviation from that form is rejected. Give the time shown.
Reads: {"hour": 6, "minute": 6}
